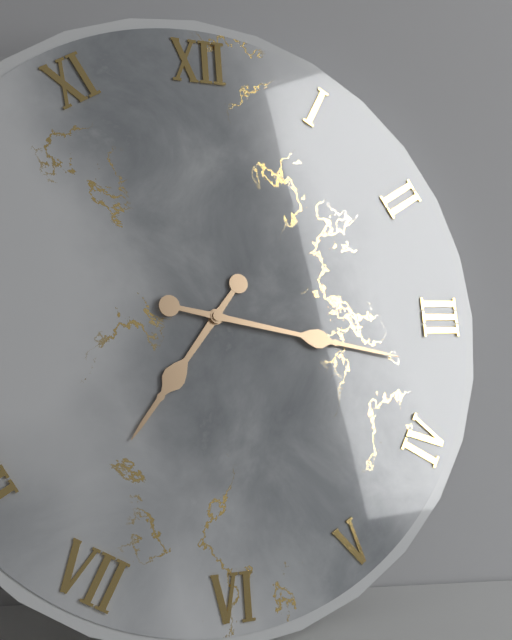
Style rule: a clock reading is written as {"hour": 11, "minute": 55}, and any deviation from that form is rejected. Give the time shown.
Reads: {"hour": 7, "minute": 17}
